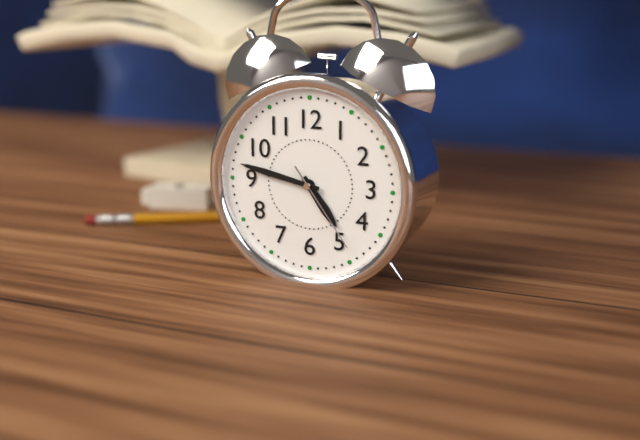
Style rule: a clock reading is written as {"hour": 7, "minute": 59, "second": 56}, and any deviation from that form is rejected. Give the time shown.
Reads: {"hour": 4, "minute": 47, "second": 24}
